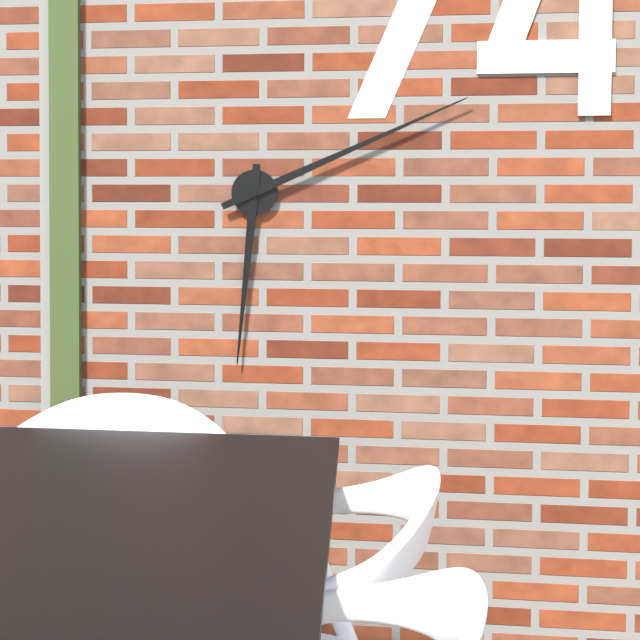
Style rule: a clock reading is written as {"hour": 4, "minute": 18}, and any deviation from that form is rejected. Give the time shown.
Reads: {"hour": 6, "minute": 11}
